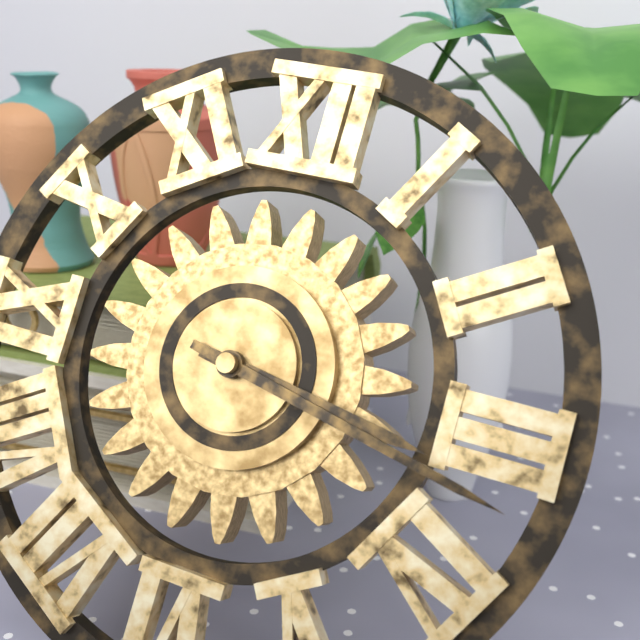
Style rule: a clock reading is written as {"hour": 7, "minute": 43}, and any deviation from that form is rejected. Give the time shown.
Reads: {"hour": 3, "minute": 17}
